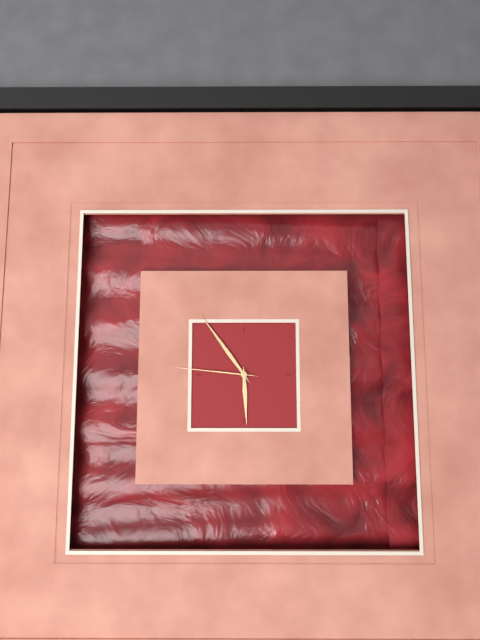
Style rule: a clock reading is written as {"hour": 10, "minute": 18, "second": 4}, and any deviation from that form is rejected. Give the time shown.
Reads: {"hour": 5, "minute": 54, "second": 46}
